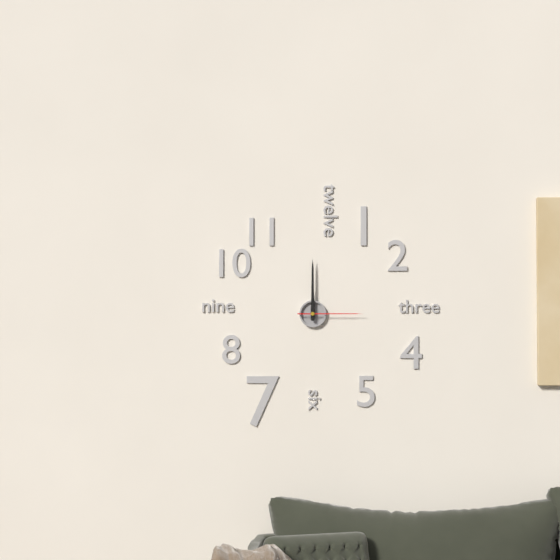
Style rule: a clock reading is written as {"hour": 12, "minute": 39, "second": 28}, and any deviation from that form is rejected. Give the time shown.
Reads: {"hour": 12, "minute": 0, "second": 15}
